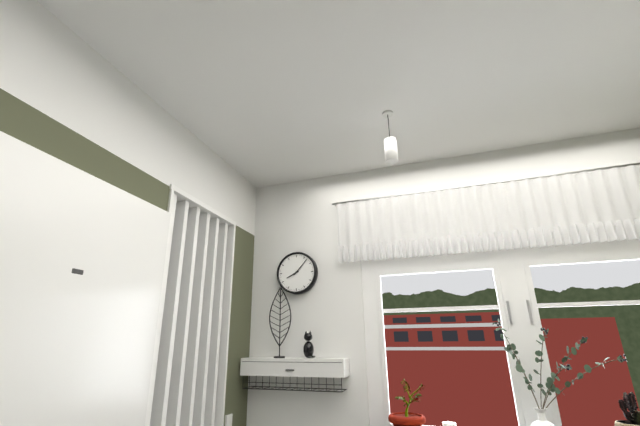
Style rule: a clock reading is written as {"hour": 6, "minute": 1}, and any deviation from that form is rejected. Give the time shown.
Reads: {"hour": 8, "minute": 7}
